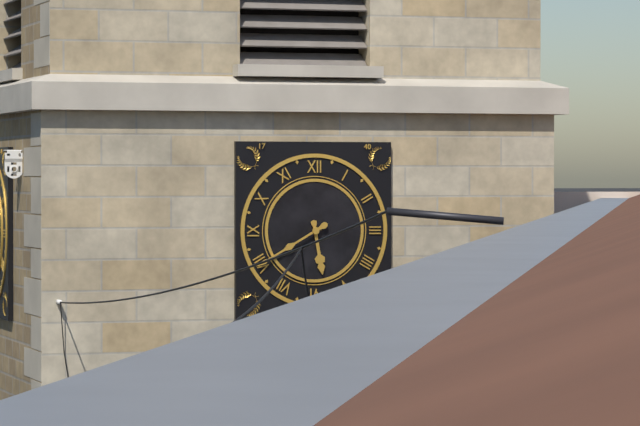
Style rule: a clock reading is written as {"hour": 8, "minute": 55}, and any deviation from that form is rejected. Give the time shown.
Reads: {"hour": 5, "minute": 40}
